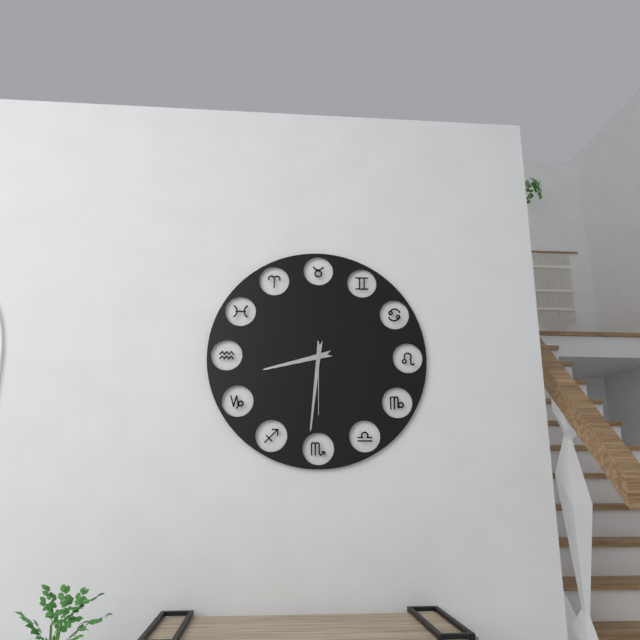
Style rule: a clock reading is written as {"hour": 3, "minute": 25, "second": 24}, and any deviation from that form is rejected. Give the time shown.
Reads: {"hour": 8, "minute": 31, "second": 30}
